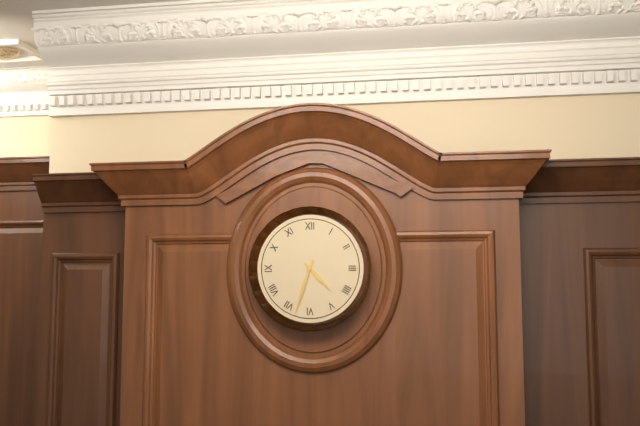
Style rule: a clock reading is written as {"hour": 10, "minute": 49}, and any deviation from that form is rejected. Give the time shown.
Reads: {"hour": 4, "minute": 33}
